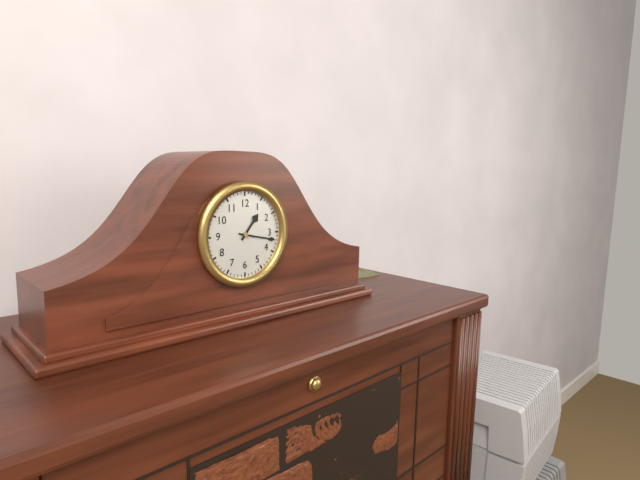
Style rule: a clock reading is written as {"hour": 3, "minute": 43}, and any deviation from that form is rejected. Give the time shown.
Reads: {"hour": 1, "minute": 17}
